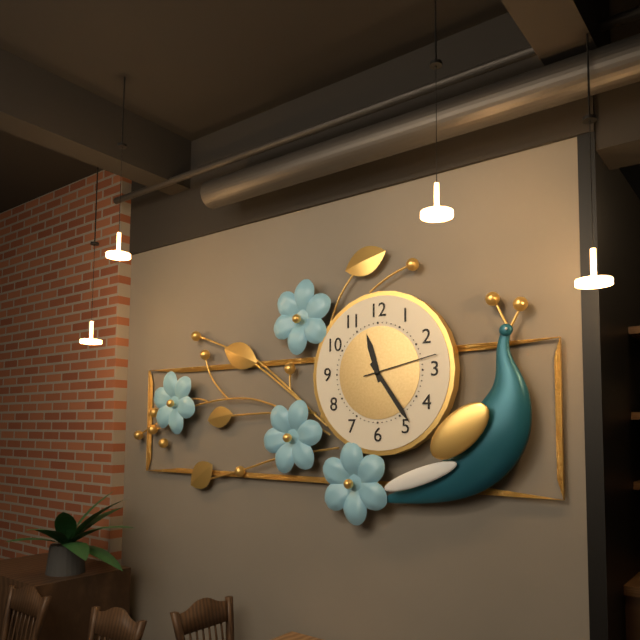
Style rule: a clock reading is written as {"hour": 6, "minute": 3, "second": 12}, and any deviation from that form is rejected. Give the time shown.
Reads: {"hour": 11, "minute": 24, "second": 13}
